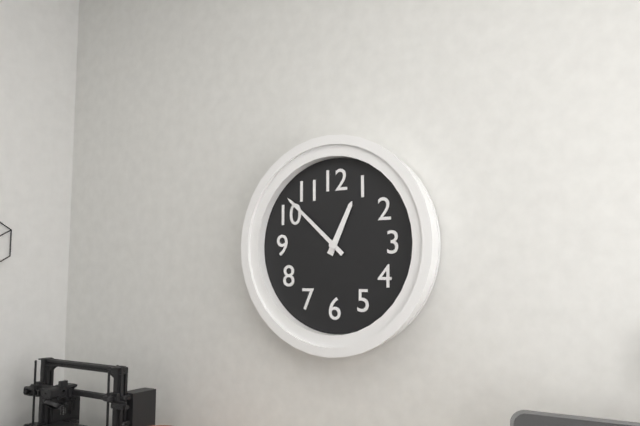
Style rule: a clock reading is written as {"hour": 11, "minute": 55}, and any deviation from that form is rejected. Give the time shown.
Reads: {"hour": 12, "minute": 52}
